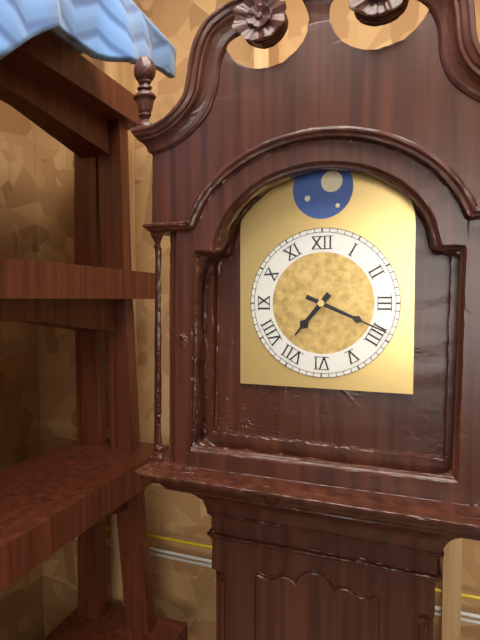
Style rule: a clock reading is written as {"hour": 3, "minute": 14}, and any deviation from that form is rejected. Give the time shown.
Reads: {"hour": 7, "minute": 19}
